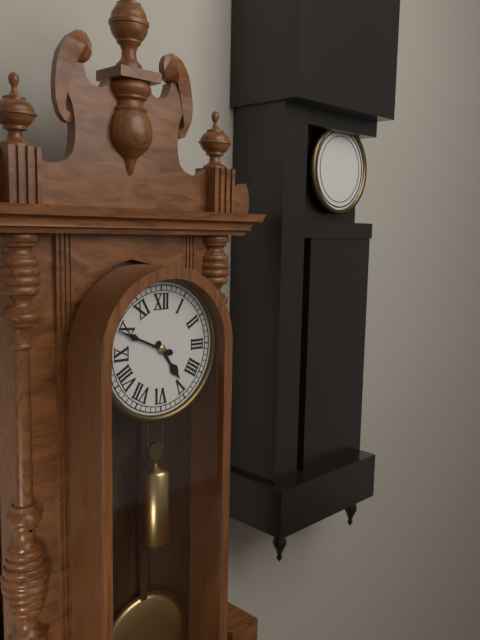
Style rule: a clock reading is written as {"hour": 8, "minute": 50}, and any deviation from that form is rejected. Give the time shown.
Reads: {"hour": 4, "minute": 49}
